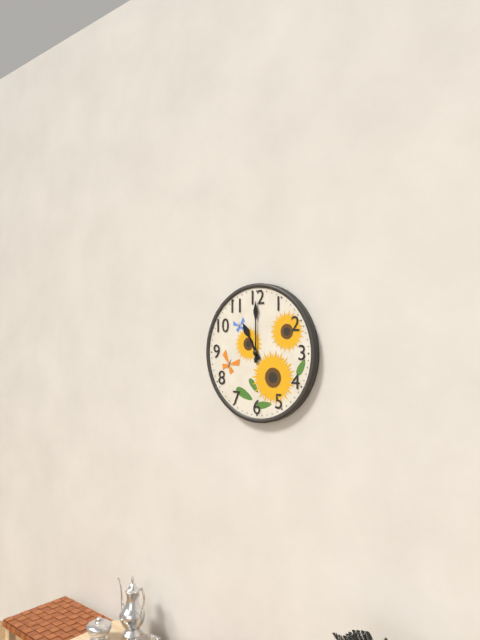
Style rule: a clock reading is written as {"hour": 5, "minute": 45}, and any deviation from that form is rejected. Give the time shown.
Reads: {"hour": 11, "minute": 0}
